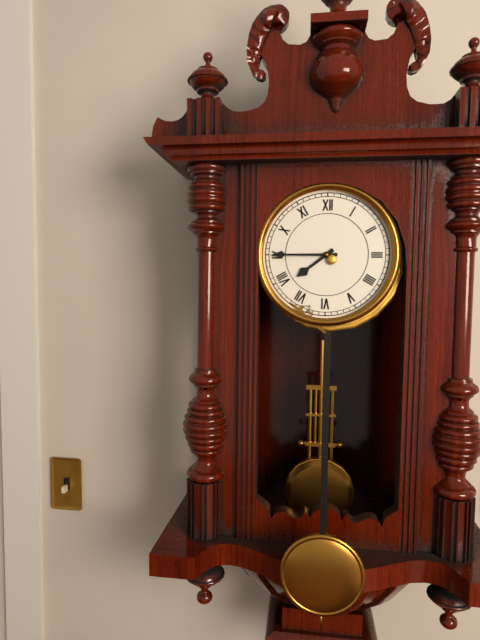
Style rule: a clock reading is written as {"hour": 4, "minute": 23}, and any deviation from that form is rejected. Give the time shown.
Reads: {"hour": 7, "minute": 45}
